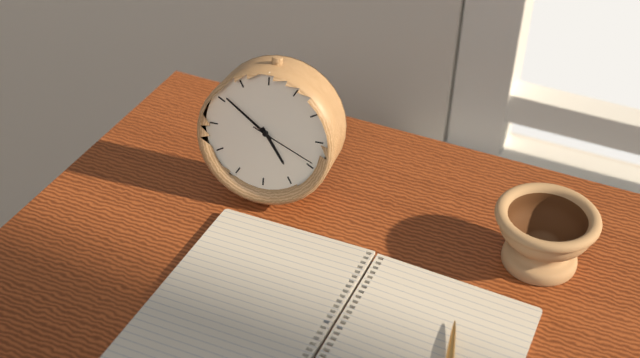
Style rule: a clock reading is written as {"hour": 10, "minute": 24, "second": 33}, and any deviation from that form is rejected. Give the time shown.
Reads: {"hour": 4, "minute": 51, "second": 19}
